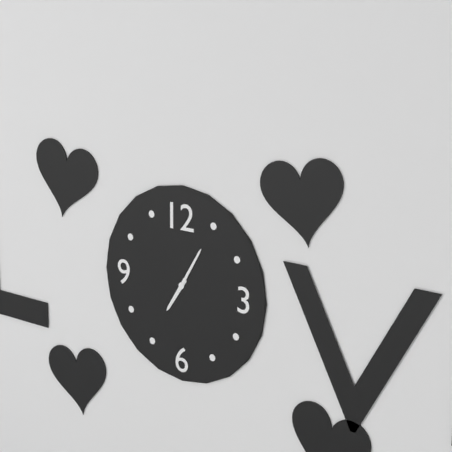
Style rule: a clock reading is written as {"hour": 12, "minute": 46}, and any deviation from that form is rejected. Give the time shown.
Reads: {"hour": 7, "minute": 5}
